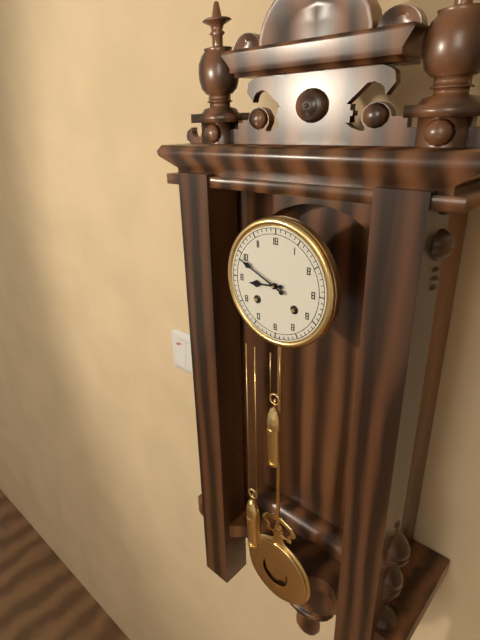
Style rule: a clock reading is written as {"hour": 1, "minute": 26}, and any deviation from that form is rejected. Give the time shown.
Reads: {"hour": 8, "minute": 49}
